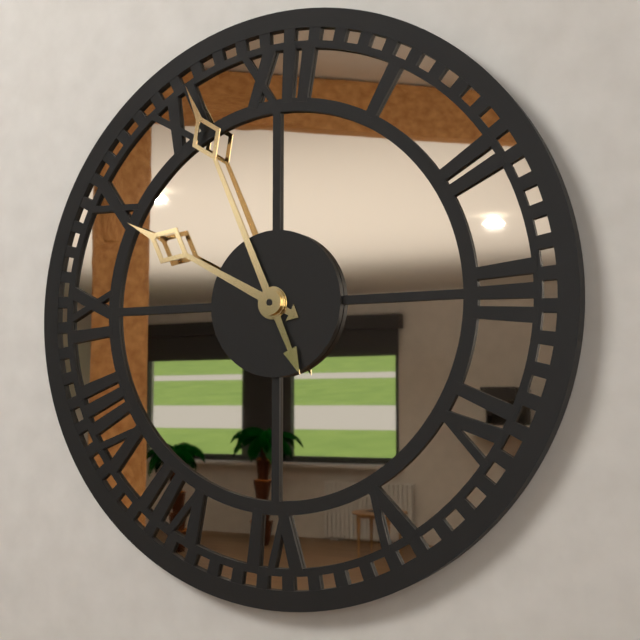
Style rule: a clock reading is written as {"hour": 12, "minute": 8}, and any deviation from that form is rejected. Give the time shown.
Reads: {"hour": 9, "minute": 56}
